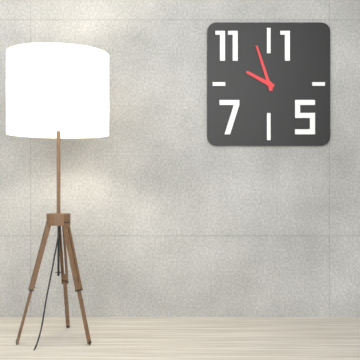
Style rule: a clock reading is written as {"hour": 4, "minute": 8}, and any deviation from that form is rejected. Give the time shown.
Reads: {"hour": 9, "minute": 57}
